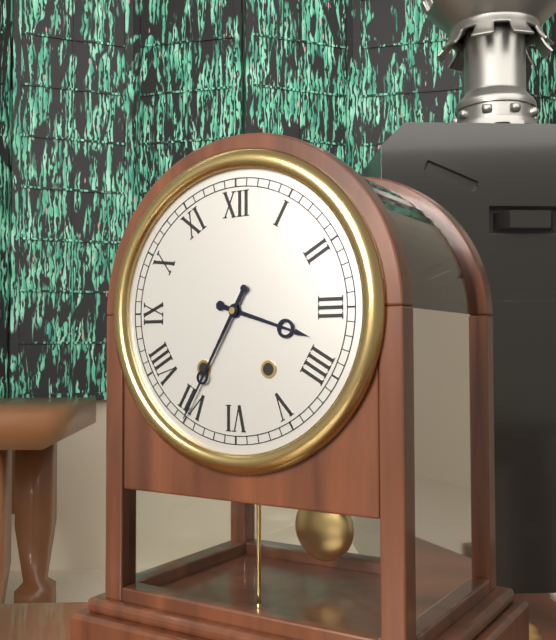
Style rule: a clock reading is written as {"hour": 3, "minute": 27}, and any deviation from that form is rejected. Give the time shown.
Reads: {"hour": 3, "minute": 35}
